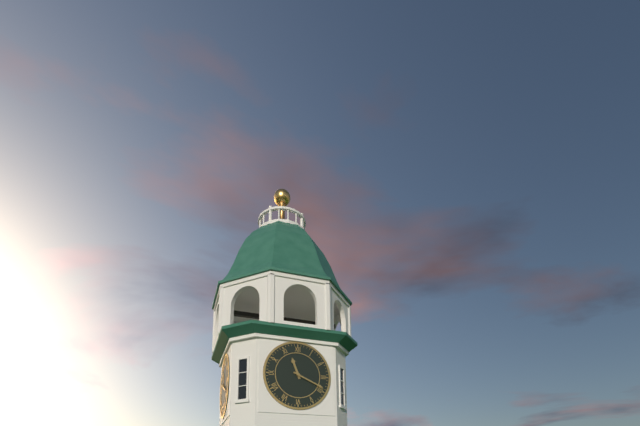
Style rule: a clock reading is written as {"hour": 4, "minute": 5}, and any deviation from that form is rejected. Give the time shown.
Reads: {"hour": 11, "minute": 19}
